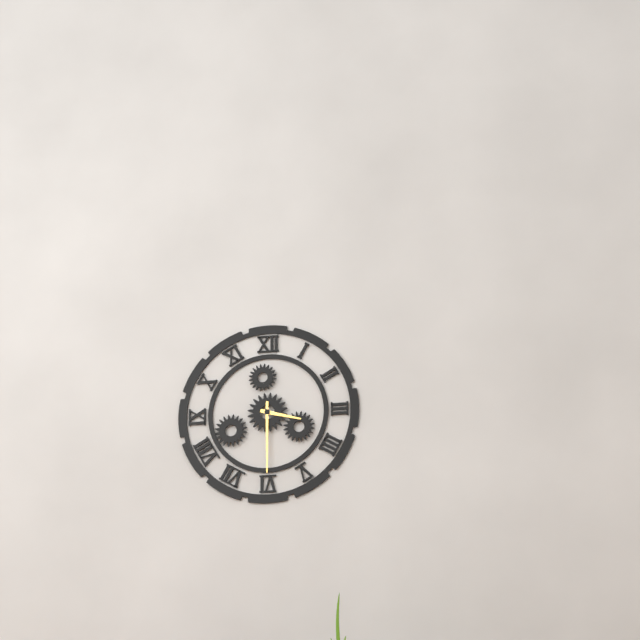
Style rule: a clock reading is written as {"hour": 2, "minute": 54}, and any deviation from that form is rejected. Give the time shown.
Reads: {"hour": 3, "minute": 30}
